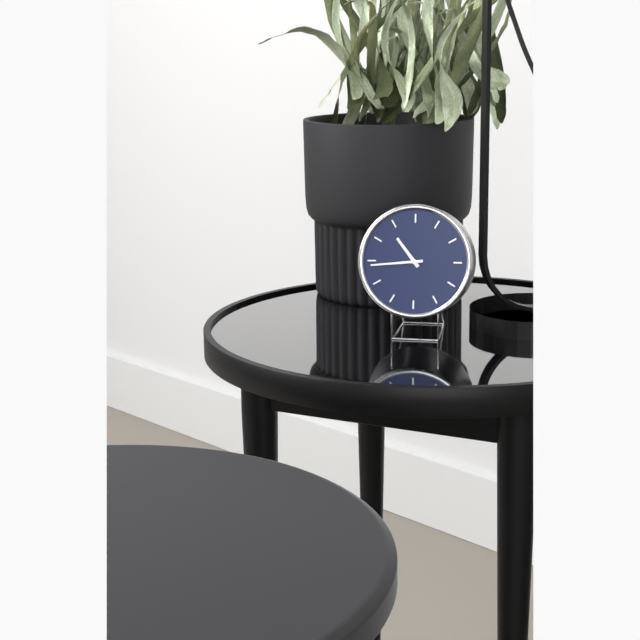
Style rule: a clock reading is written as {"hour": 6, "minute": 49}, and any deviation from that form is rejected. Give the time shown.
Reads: {"hour": 10, "minute": 44}
